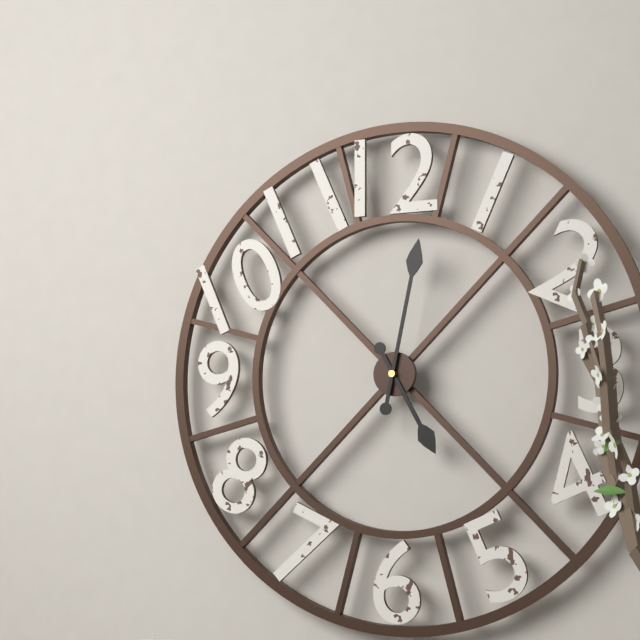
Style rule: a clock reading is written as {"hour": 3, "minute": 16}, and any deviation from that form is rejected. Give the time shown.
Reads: {"hour": 5, "minute": 2}
